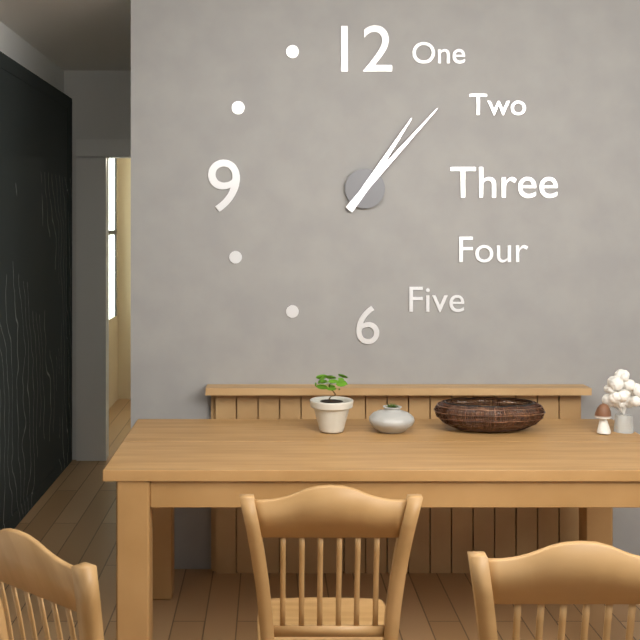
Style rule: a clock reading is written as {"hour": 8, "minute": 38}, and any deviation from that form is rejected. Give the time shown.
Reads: {"hour": 1, "minute": 7}
